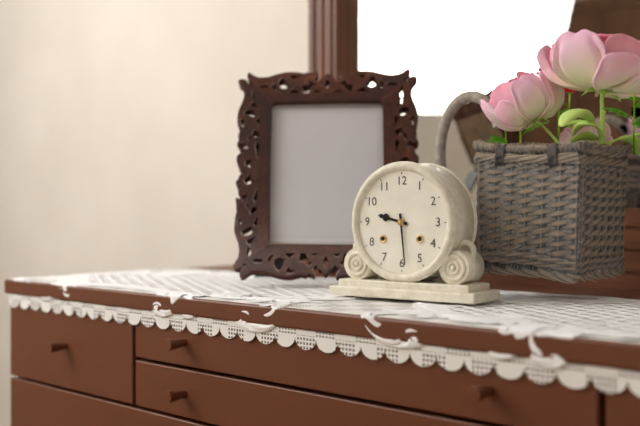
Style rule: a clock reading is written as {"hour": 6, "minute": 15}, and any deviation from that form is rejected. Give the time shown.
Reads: {"hour": 9, "minute": 29}
